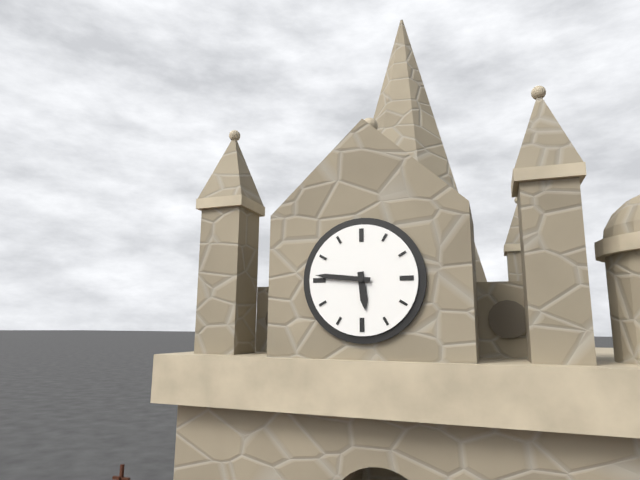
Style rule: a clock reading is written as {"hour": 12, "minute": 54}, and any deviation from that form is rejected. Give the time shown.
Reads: {"hour": 5, "minute": 46}
